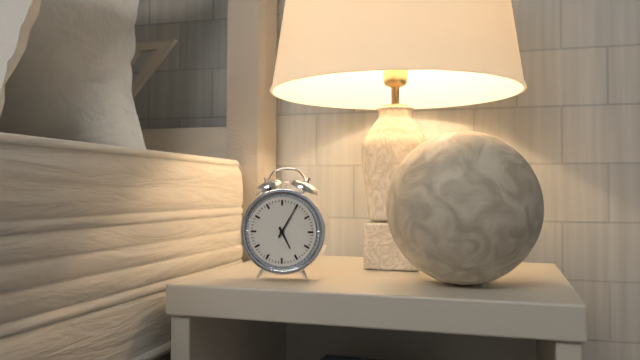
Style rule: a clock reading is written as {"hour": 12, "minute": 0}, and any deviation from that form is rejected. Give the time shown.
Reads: {"hour": 5, "minute": 5}
